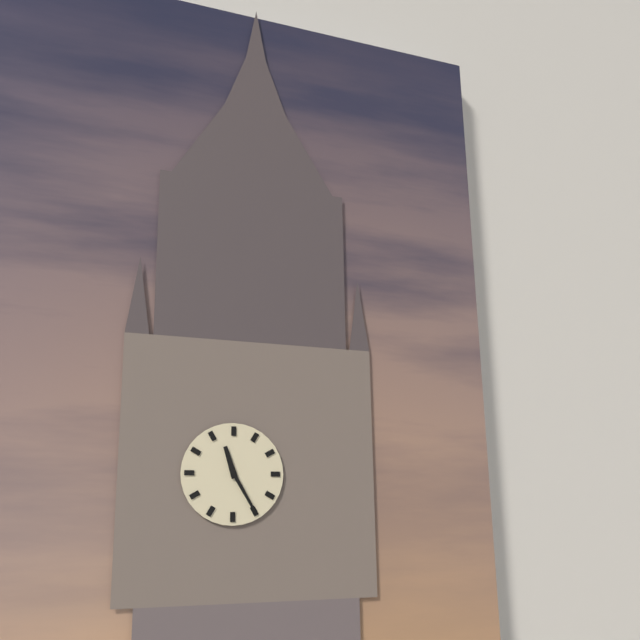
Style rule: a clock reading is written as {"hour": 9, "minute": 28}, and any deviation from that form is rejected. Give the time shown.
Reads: {"hour": 11, "minute": 25}
